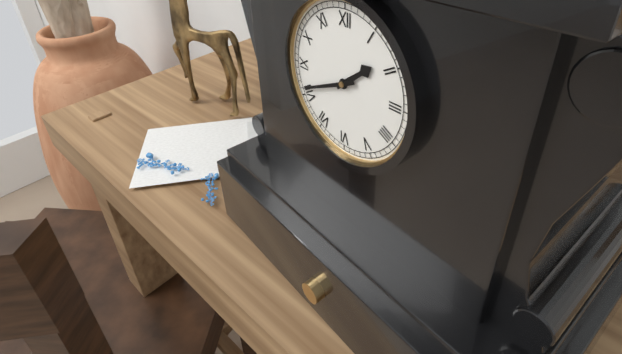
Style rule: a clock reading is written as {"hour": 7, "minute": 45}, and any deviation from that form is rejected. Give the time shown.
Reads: {"hour": 1, "minute": 41}
